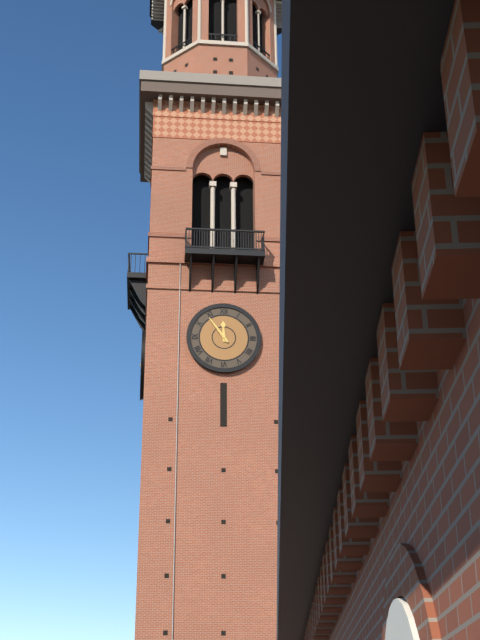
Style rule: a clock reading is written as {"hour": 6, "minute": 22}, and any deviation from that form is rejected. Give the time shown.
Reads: {"hour": 11, "minute": 54}
